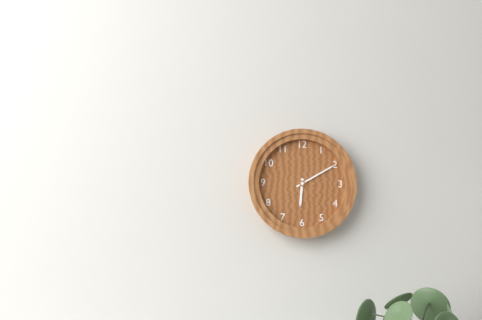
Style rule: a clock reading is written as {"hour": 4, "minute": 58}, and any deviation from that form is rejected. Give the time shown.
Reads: {"hour": 6, "minute": 10}
